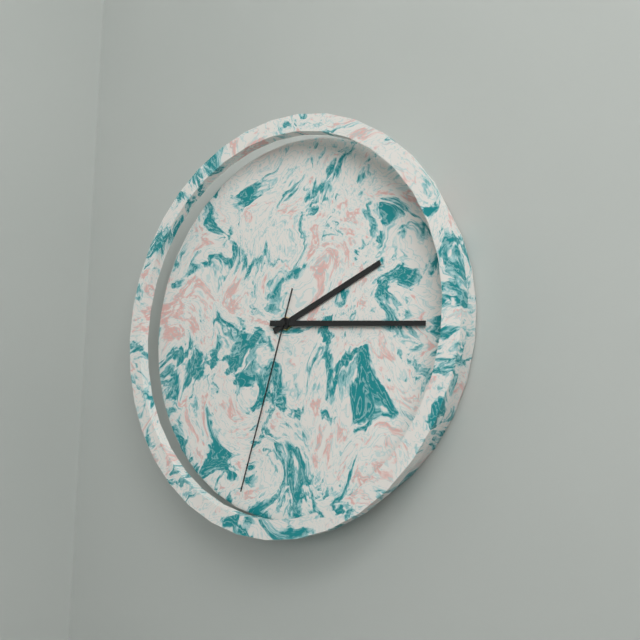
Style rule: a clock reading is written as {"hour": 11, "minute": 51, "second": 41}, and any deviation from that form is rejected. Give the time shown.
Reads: {"hour": 2, "minute": 16, "second": 33}
